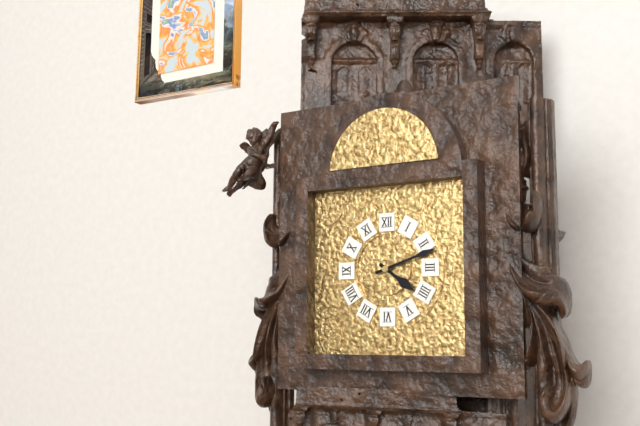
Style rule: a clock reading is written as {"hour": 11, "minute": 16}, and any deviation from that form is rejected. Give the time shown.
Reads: {"hour": 4, "minute": 12}
